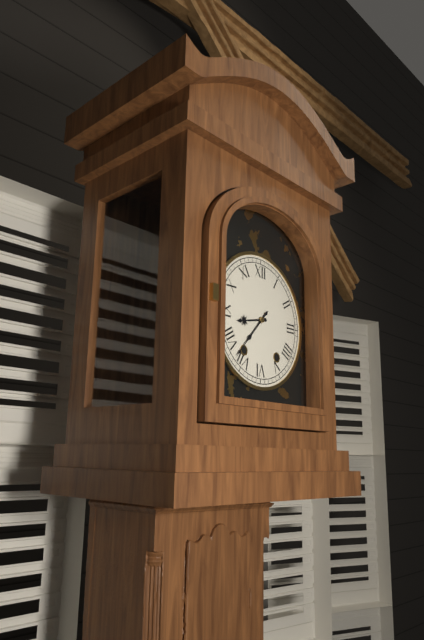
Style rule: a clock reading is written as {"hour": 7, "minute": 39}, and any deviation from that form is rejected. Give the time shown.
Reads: {"hour": 8, "minute": 37}
